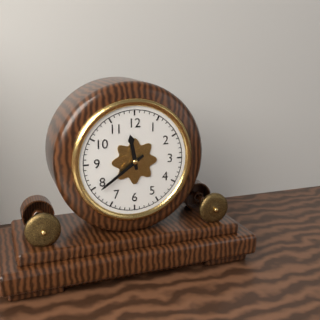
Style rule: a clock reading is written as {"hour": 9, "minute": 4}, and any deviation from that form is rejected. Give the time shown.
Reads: {"hour": 11, "minute": 39}
